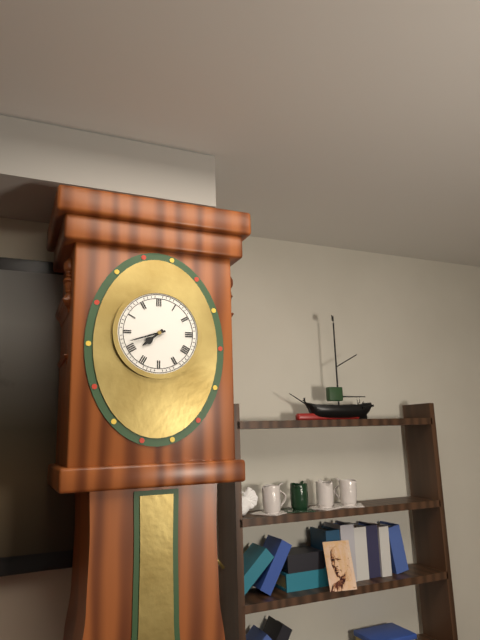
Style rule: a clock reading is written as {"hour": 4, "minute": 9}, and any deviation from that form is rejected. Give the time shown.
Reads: {"hour": 7, "minute": 42}
